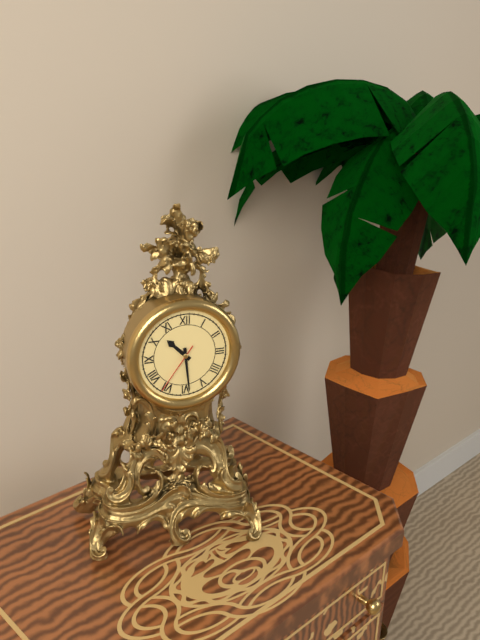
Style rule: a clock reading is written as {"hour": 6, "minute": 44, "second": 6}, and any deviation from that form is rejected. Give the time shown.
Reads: {"hour": 10, "minute": 29, "second": 36}
